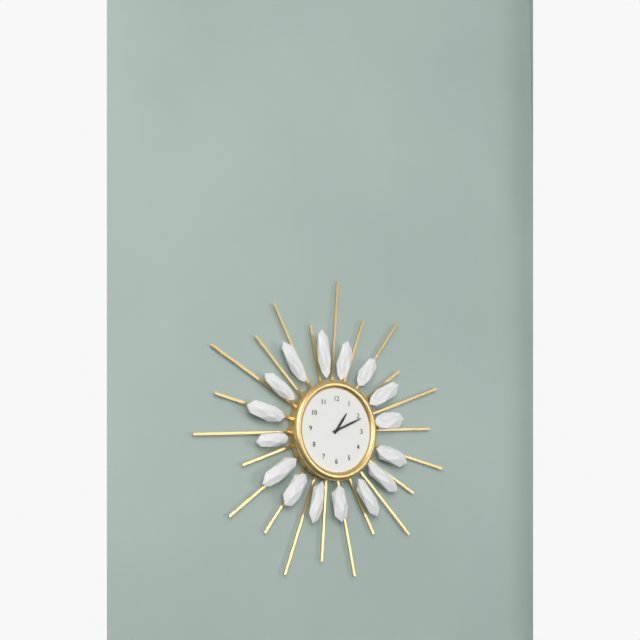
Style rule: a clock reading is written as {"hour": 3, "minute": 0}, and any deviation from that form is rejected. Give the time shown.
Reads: {"hour": 1, "minute": 11}
